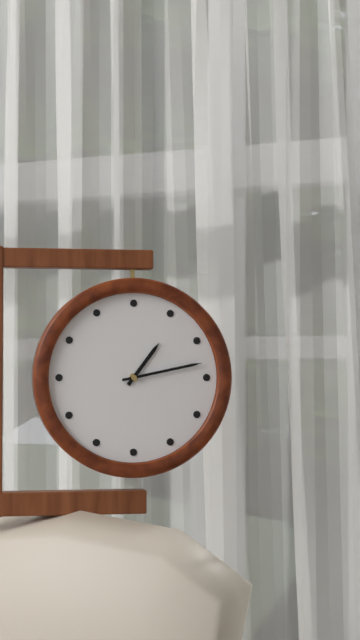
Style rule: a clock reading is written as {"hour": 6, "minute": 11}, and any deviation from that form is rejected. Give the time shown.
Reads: {"hour": 1, "minute": 13}
